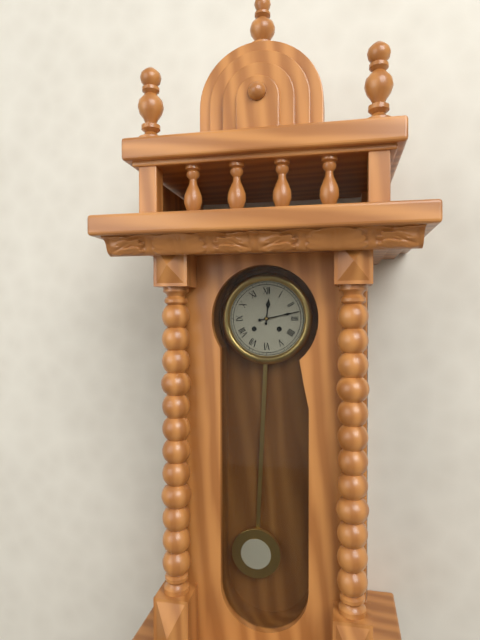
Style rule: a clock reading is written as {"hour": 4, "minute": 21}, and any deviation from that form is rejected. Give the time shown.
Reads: {"hour": 12, "minute": 13}
